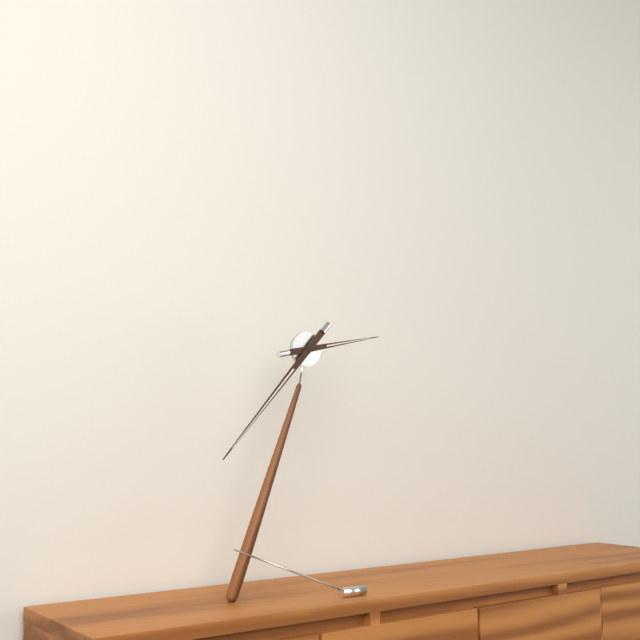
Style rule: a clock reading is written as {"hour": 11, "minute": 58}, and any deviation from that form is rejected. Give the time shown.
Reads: {"hour": 2, "minute": 37}
